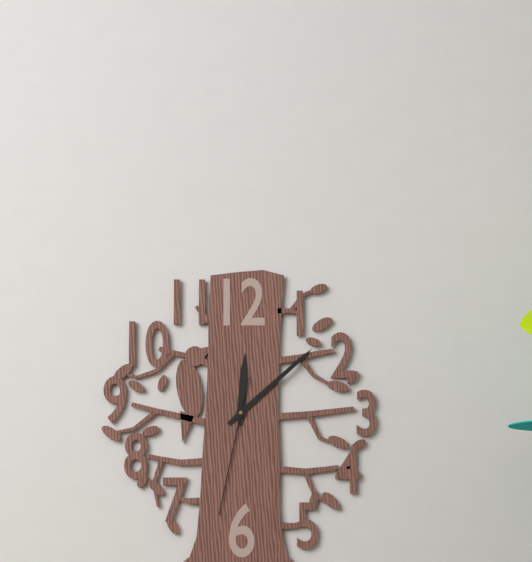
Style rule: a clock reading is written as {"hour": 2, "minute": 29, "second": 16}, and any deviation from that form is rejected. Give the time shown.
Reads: {"hour": 12, "minute": 8, "second": 32}
